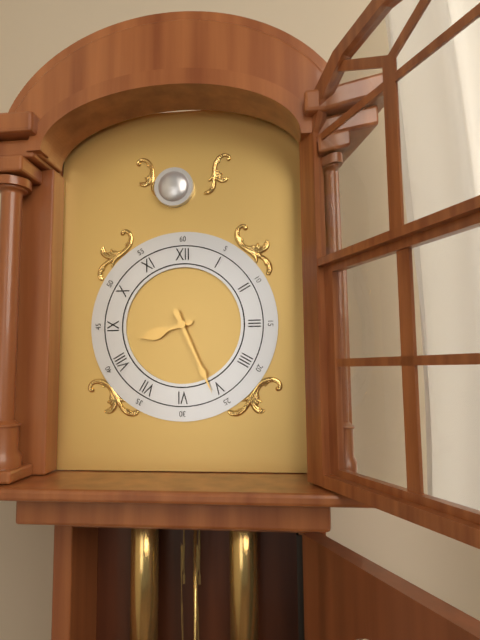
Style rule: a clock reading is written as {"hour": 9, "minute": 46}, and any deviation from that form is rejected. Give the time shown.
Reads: {"hour": 8, "minute": 26}
